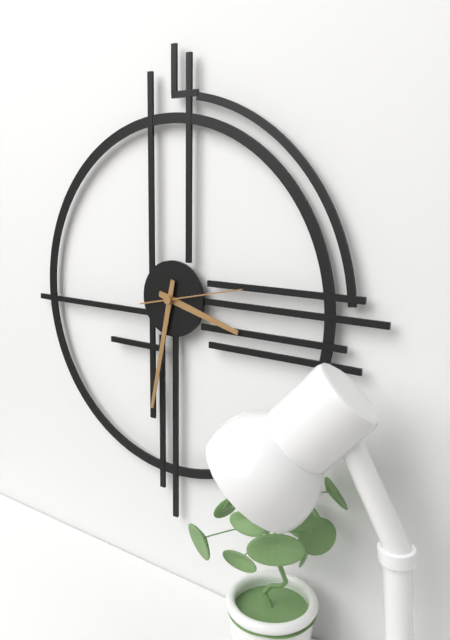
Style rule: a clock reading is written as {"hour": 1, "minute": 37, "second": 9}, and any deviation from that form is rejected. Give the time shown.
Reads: {"hour": 3, "minute": 32, "second": 13}
